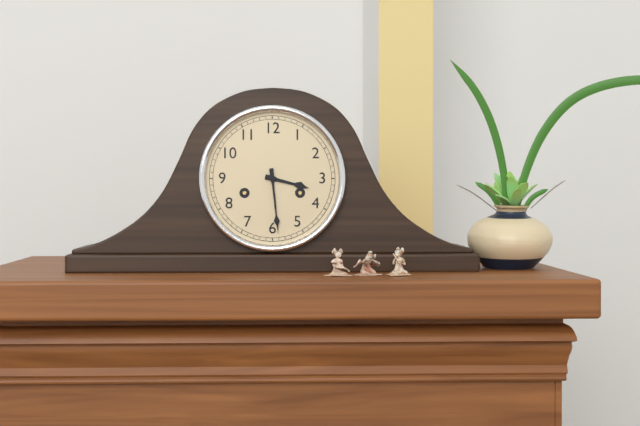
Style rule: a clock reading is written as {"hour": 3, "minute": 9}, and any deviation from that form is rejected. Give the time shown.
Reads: {"hour": 3, "minute": 29}
